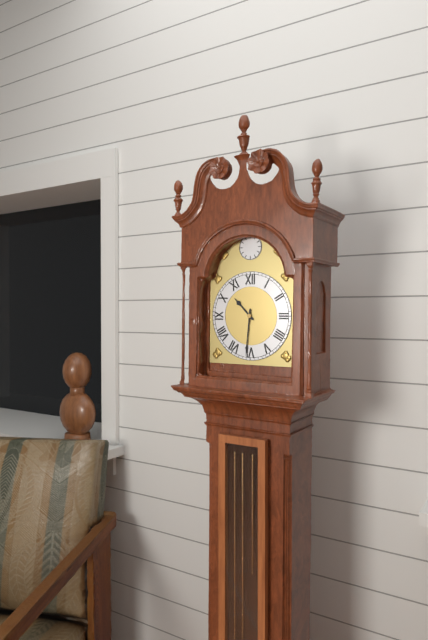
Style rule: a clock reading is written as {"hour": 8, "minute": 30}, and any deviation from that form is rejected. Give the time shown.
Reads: {"hour": 10, "minute": 31}
